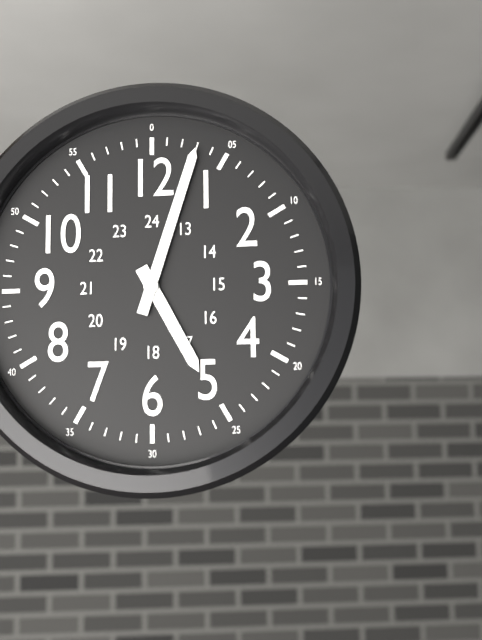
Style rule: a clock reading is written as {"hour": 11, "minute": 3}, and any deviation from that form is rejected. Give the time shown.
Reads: {"hour": 5, "minute": 3}
